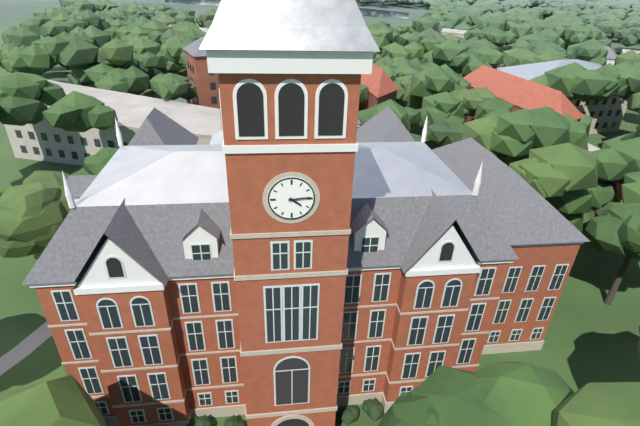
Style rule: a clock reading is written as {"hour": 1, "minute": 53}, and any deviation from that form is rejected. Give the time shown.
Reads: {"hour": 4, "minute": 14}
